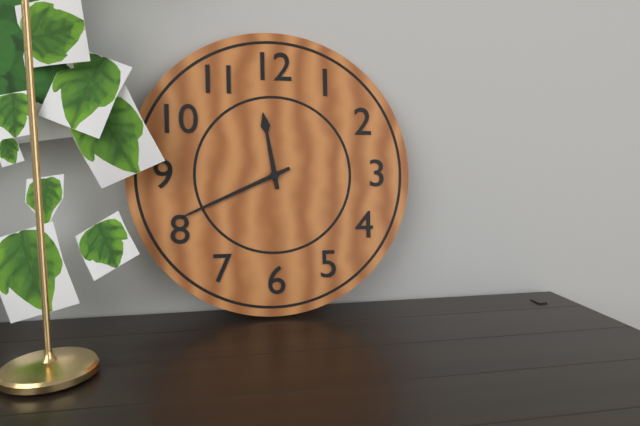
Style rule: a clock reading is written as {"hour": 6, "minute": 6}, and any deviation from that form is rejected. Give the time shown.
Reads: {"hour": 11, "minute": 41}
